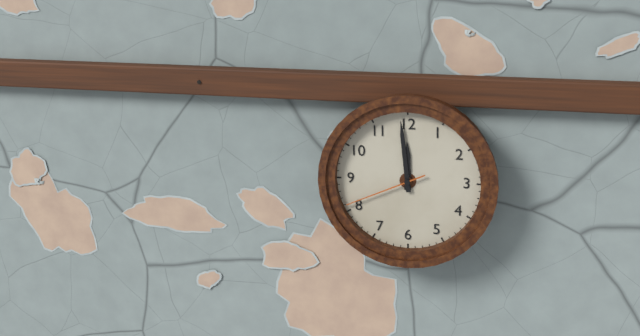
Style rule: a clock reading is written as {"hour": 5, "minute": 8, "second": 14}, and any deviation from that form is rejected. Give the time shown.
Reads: {"hour": 11, "minute": 59, "second": 41}
